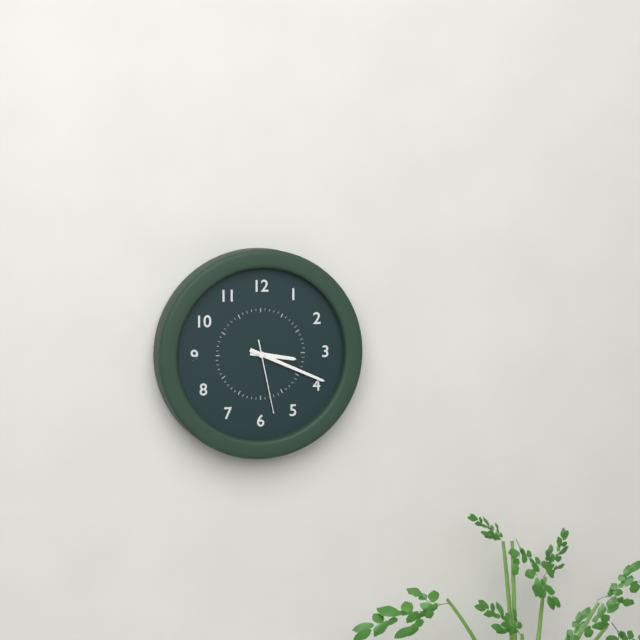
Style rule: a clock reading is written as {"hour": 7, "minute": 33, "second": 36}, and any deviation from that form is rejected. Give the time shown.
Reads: {"hour": 3, "minute": 19, "second": 28}
